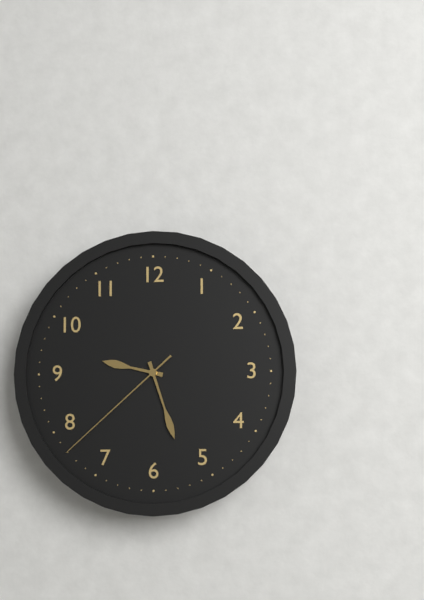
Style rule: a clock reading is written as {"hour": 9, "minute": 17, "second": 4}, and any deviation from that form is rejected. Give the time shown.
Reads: {"hour": 9, "minute": 27, "second": 38}
